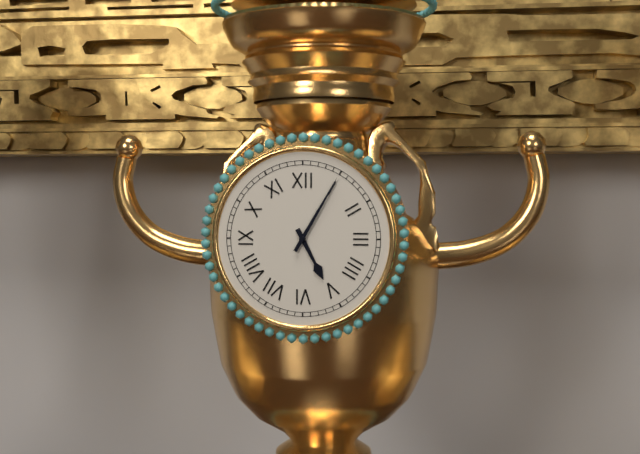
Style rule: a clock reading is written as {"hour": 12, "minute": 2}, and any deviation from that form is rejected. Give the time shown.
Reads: {"hour": 5, "minute": 5}
